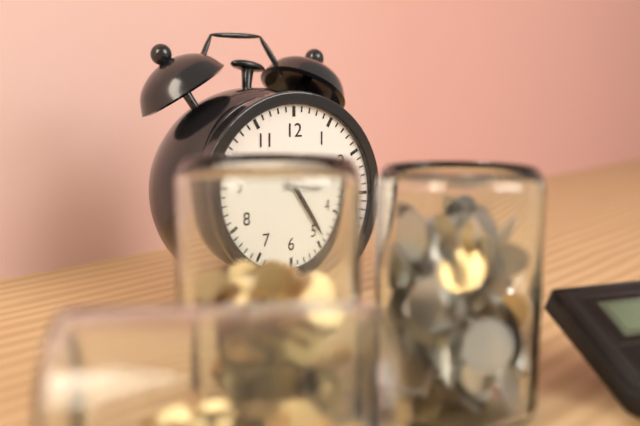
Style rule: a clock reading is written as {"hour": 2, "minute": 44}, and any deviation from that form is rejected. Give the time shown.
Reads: {"hour": 3, "minute": 24}
